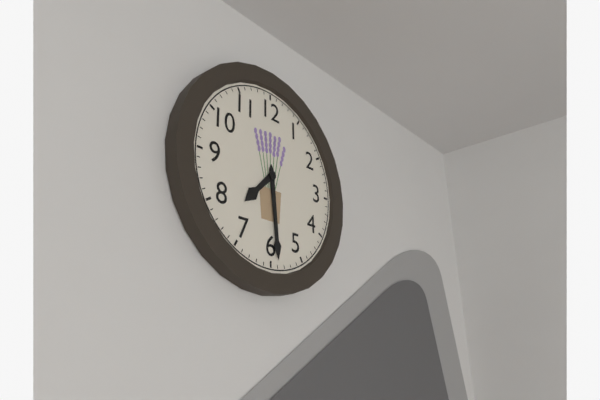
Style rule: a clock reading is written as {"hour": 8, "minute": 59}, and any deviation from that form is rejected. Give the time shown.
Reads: {"hour": 7, "minute": 29}
